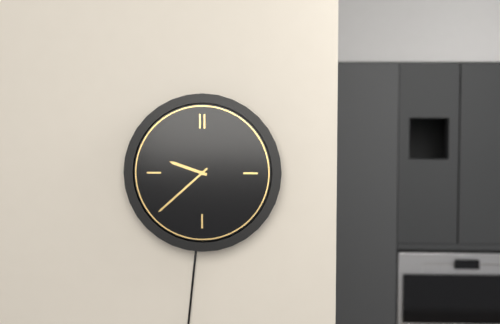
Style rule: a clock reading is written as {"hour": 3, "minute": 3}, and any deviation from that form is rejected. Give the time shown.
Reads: {"hour": 9, "minute": 38}
